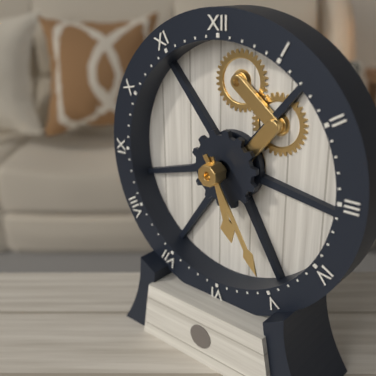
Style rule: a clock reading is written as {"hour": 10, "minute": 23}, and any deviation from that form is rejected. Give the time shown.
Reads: {"hour": 5, "minute": 25}
